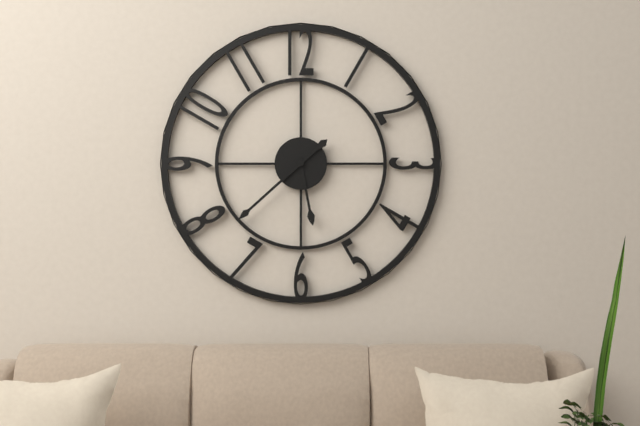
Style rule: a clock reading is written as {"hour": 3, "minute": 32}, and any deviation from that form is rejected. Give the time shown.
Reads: {"hour": 5, "minute": 38}
